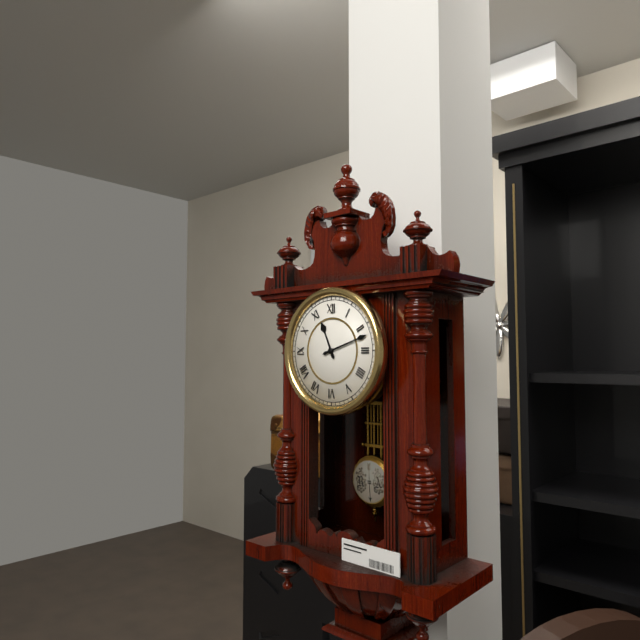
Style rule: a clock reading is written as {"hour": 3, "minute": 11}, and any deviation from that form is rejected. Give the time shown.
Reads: {"hour": 11, "minute": 12}
